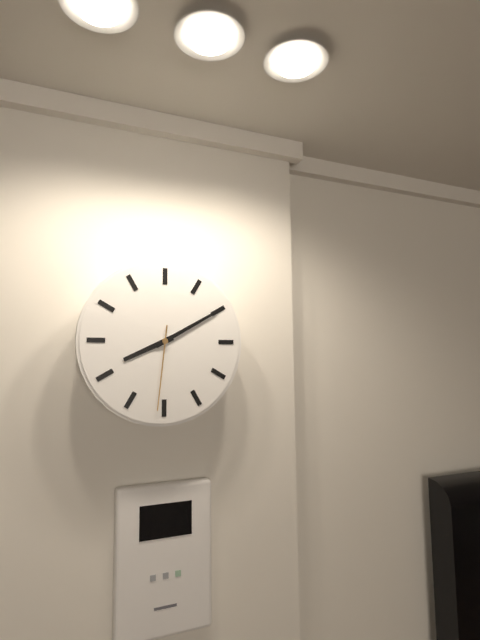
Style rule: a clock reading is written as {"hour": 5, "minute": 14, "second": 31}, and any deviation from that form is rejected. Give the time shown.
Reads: {"hour": 8, "minute": 10, "second": 31}
